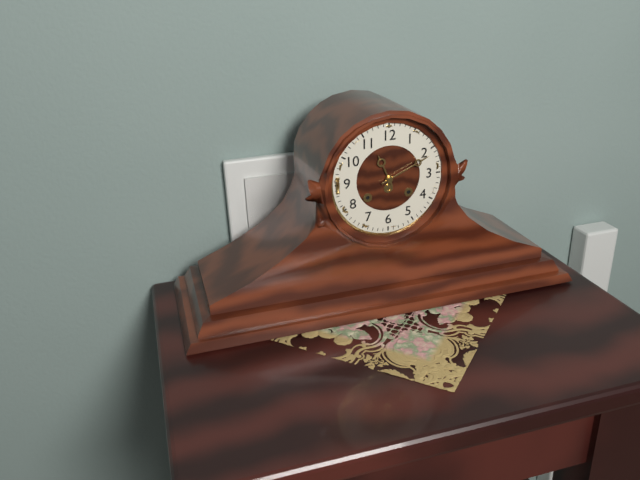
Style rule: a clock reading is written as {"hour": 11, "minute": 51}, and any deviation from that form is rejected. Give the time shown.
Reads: {"hour": 11, "minute": 11}
